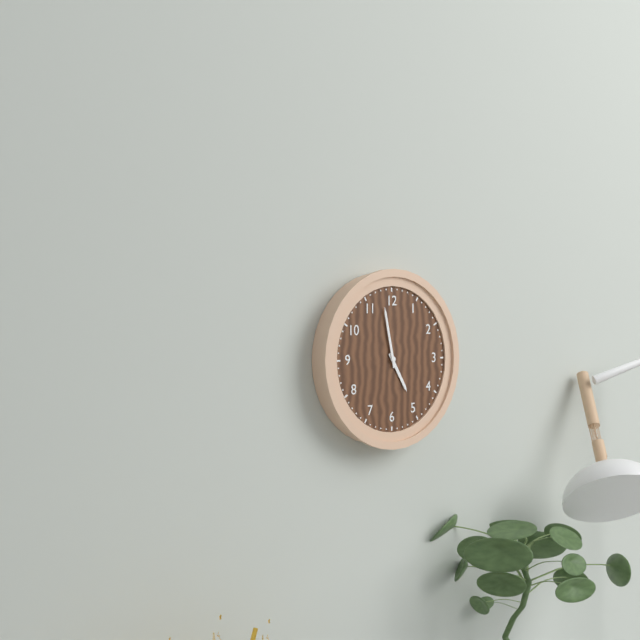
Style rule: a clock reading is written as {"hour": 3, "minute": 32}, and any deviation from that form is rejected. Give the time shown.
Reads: {"hour": 4, "minute": 58}
